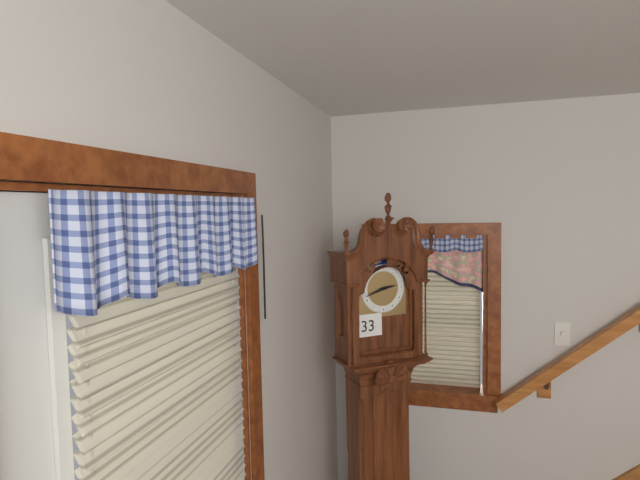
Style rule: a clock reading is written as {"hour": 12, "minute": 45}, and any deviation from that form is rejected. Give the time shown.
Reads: {"hour": 2, "minute": 42}
